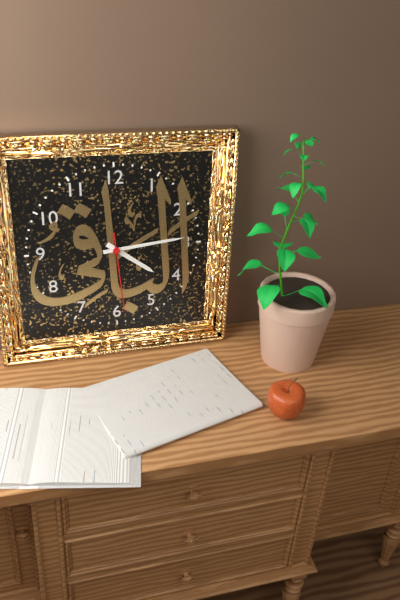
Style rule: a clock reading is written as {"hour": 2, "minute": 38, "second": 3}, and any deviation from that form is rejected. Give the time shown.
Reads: {"hour": 4, "minute": 14, "second": 29}
